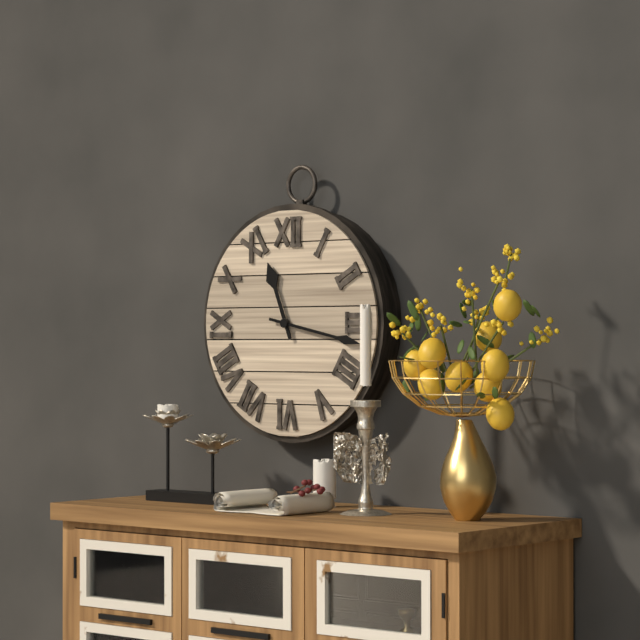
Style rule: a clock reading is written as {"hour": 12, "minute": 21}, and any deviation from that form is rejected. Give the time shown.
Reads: {"hour": 11, "minute": 17}
